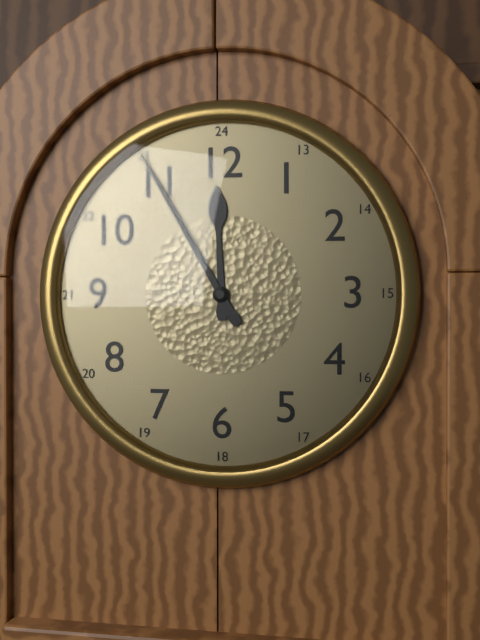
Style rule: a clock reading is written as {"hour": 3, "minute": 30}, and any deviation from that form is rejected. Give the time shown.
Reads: {"hour": 11, "minute": 55}
